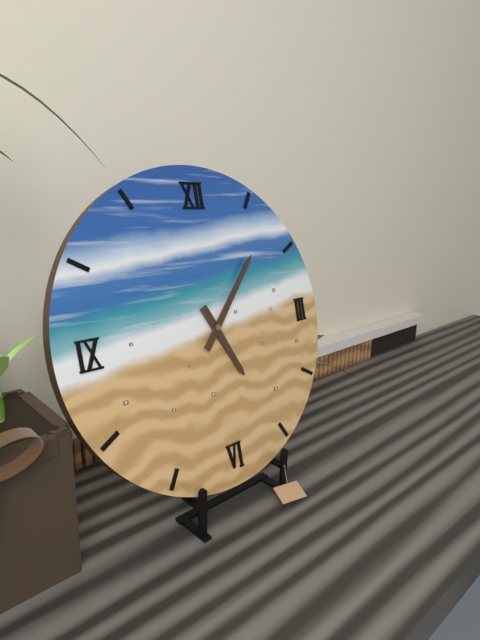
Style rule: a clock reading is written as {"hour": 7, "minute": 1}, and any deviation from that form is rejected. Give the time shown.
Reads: {"hour": 5, "minute": 7}
